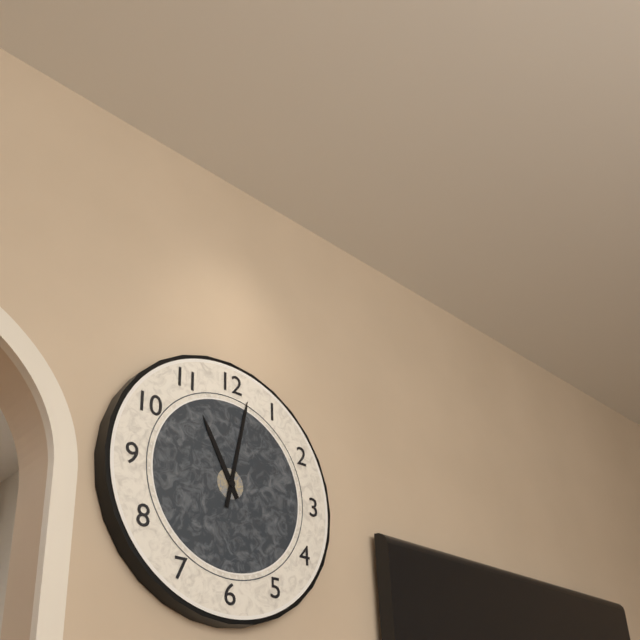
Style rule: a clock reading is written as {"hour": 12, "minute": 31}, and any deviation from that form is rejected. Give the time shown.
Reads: {"hour": 11, "minute": 2}
